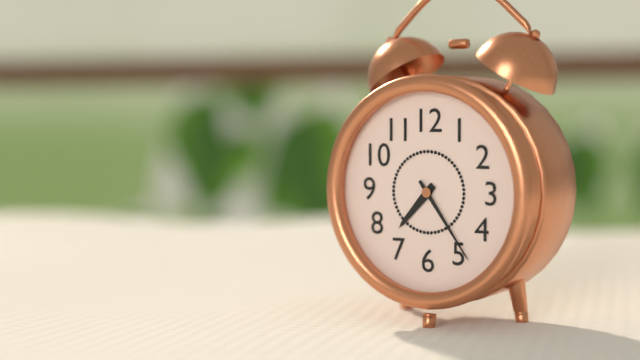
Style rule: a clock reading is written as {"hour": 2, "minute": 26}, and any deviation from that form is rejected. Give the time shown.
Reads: {"hour": 7, "minute": 24}
